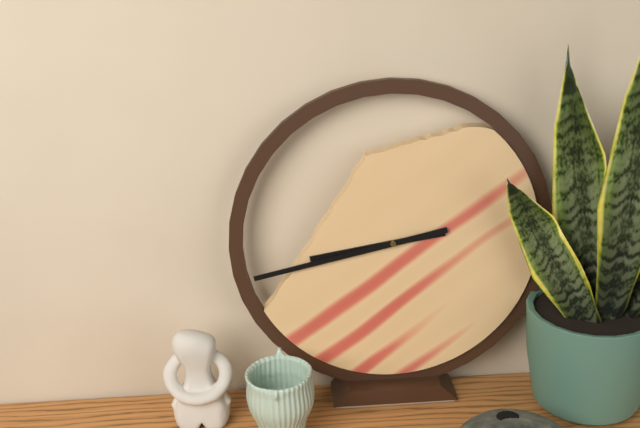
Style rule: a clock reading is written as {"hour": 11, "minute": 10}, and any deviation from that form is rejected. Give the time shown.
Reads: {"hour": 8, "minute": 43}
